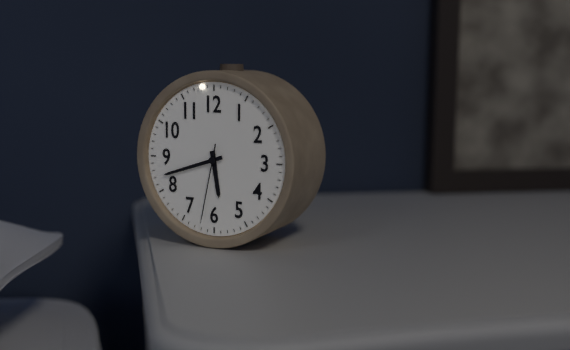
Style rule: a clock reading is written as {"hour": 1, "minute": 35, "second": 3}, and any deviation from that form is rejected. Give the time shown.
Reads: {"hour": 5, "minute": 42, "second": 32}
